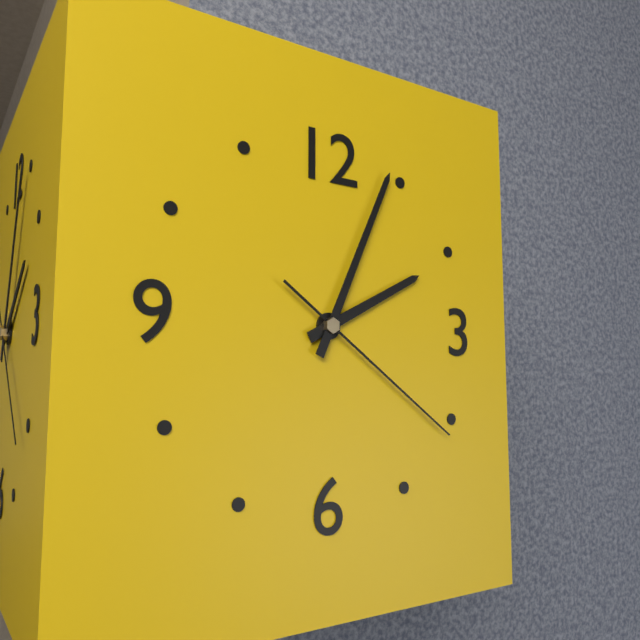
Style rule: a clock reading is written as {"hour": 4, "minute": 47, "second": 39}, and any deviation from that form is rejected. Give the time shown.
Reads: {"hour": 2, "minute": 4, "second": 21}
